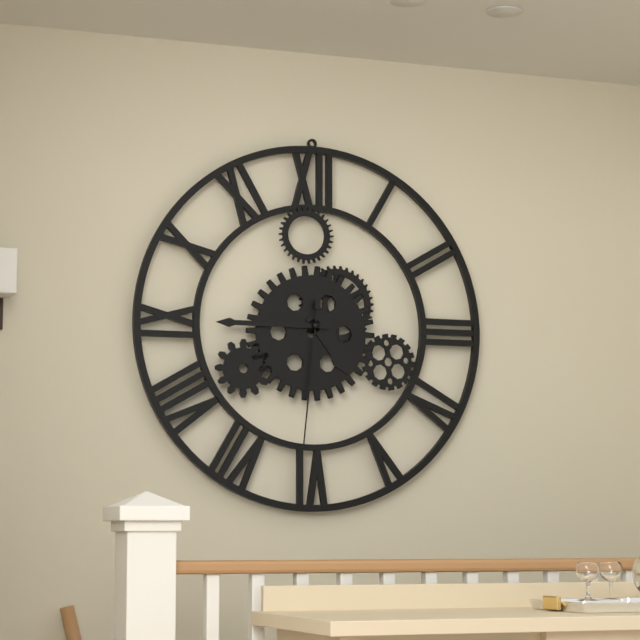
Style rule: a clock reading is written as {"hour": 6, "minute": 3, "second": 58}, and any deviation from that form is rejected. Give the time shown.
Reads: {"hour": 4, "minute": 45, "second": 31}
